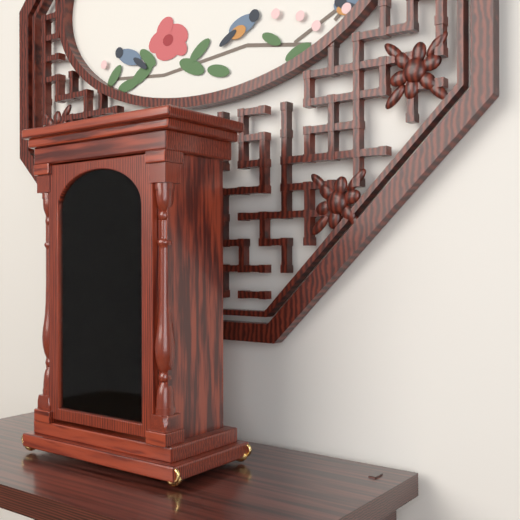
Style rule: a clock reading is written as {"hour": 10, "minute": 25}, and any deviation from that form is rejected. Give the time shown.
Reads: {"hour": 1, "minute": 8}
